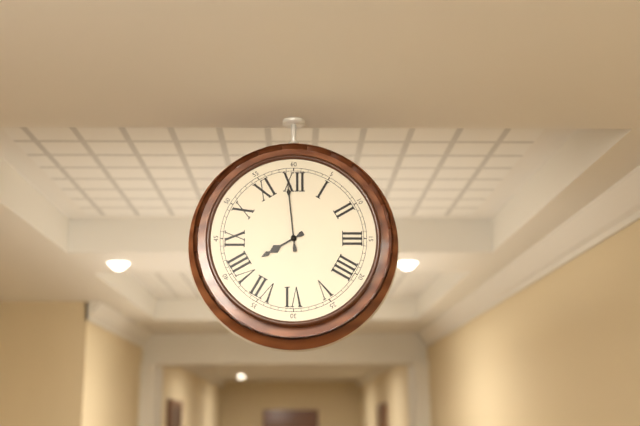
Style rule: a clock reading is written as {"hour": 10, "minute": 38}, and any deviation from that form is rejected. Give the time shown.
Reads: {"hour": 7, "minute": 59}
